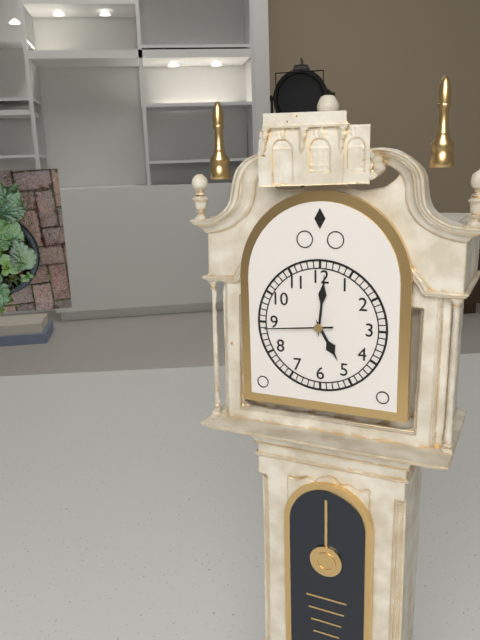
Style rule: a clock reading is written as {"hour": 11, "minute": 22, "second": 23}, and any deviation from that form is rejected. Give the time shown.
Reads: {"hour": 5, "minute": 1, "second": 44}
